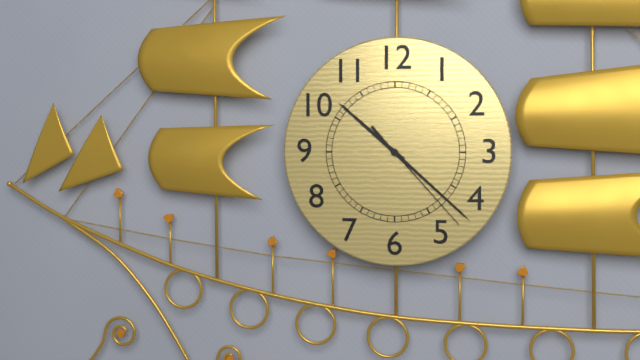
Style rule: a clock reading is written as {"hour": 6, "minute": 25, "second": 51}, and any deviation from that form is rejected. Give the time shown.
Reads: {"hour": 10, "minute": 22, "second": 23}
